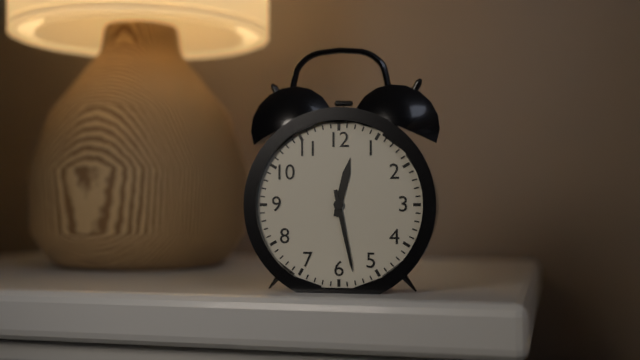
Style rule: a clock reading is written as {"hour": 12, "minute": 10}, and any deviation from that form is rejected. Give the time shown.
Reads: {"hour": 12, "minute": 28}
